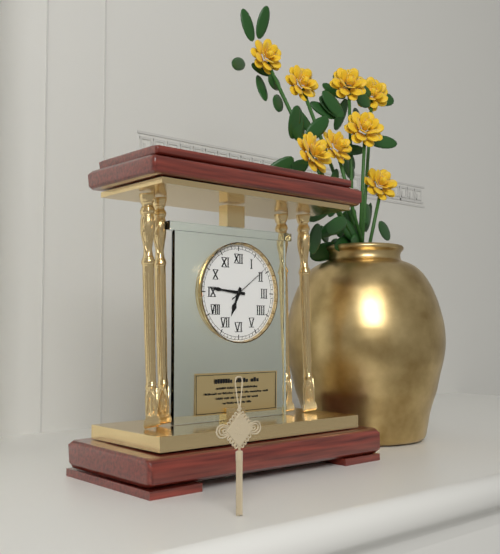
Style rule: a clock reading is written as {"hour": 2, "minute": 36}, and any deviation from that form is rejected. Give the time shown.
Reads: {"hour": 6, "minute": 46}
